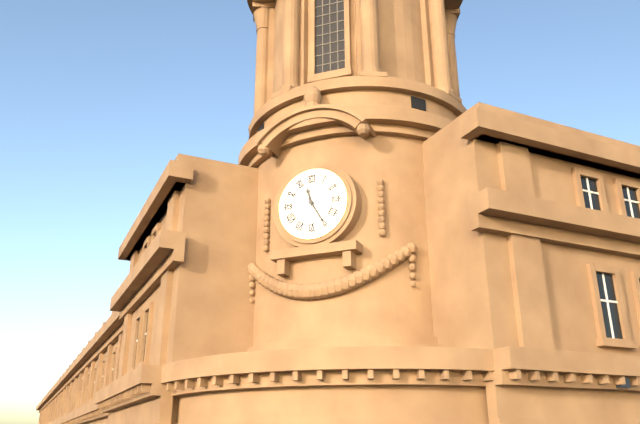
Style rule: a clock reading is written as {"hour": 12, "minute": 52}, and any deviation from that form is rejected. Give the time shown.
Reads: {"hour": 11, "minute": 25}
